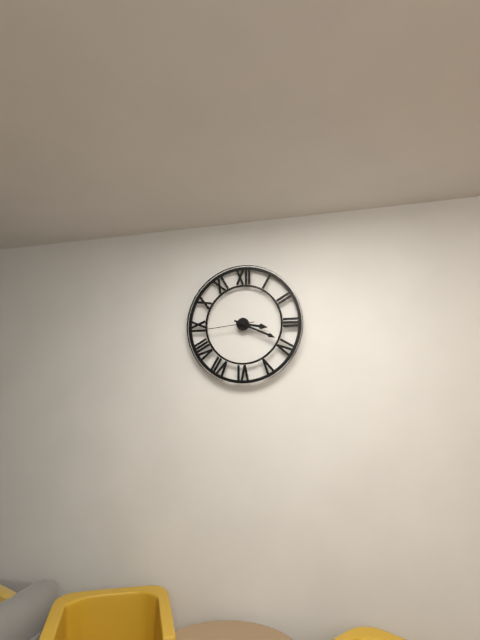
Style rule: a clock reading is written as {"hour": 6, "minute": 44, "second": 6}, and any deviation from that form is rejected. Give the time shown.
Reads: {"hour": 3, "minute": 19, "second": 44}
